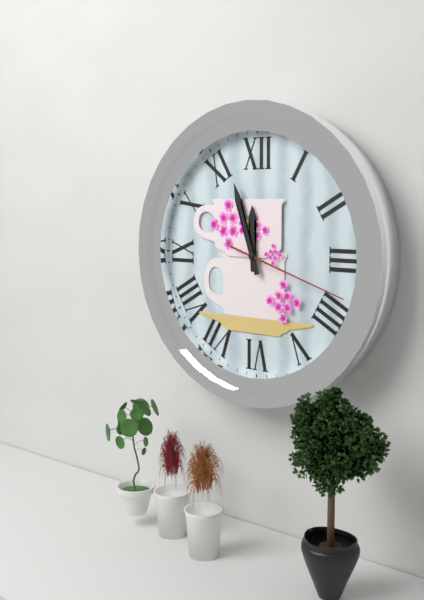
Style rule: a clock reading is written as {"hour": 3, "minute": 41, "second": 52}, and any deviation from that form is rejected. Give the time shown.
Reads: {"hour": 11, "minute": 57, "second": 18}
